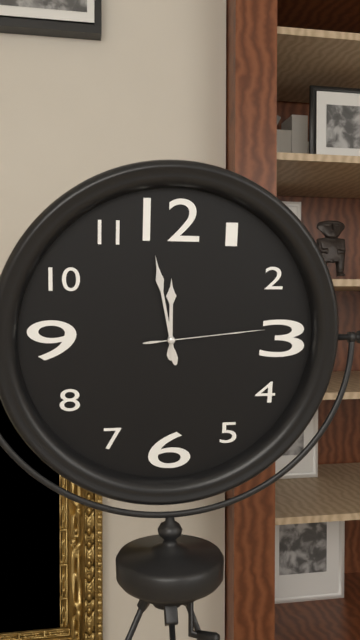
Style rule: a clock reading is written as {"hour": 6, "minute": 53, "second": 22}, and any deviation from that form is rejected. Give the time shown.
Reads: {"hour": 11, "minute": 58, "second": 14}
